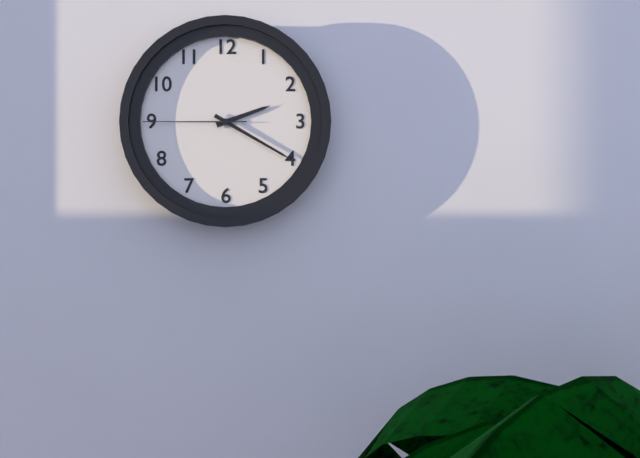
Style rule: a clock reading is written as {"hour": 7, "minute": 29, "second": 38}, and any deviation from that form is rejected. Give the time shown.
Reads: {"hour": 2, "minute": 20, "second": 45}
